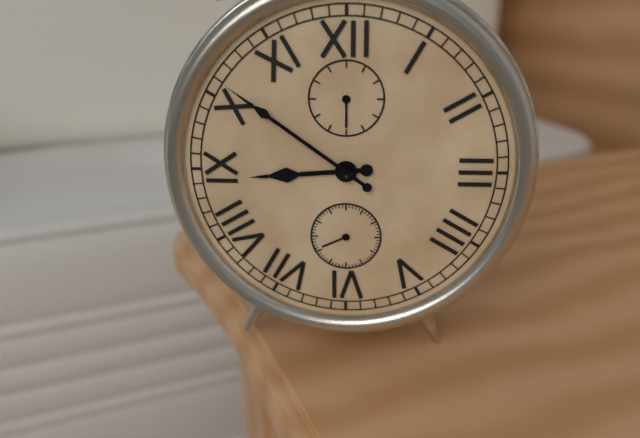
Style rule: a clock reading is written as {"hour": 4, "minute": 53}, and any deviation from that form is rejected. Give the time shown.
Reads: {"hour": 8, "minute": 51}
